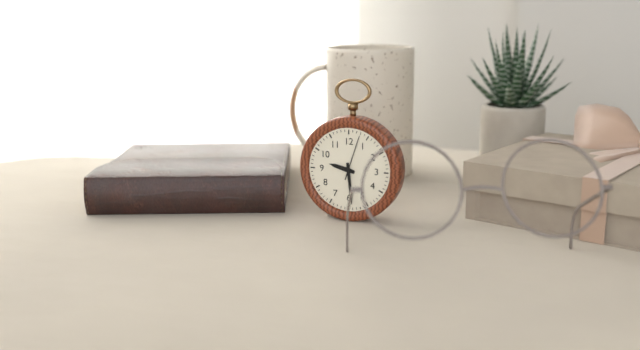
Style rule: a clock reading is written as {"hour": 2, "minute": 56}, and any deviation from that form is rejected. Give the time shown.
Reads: {"hour": 9, "minute": 29}
